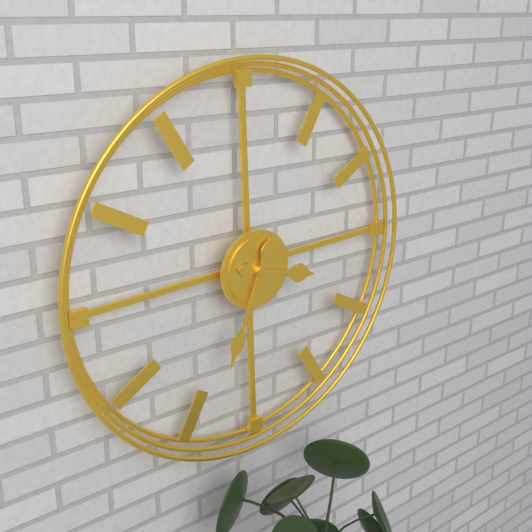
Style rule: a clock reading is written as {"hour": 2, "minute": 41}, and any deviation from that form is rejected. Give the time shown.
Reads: {"hour": 3, "minute": 34}
